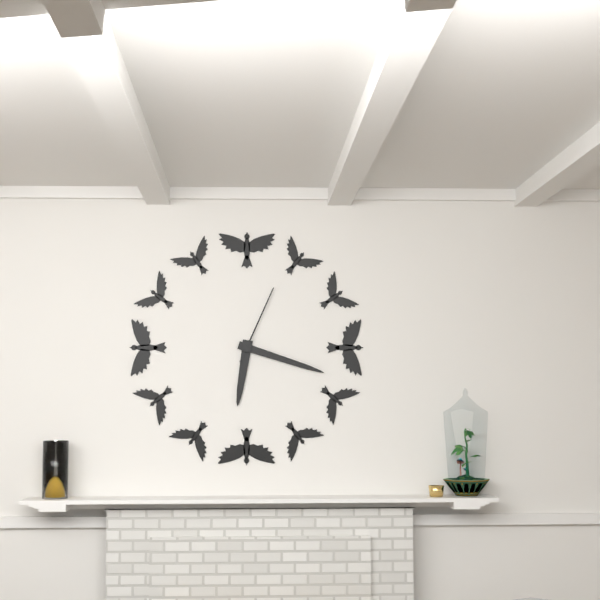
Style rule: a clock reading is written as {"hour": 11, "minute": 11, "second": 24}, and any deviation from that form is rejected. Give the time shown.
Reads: {"hour": 6, "minute": 18, "second": 4}
